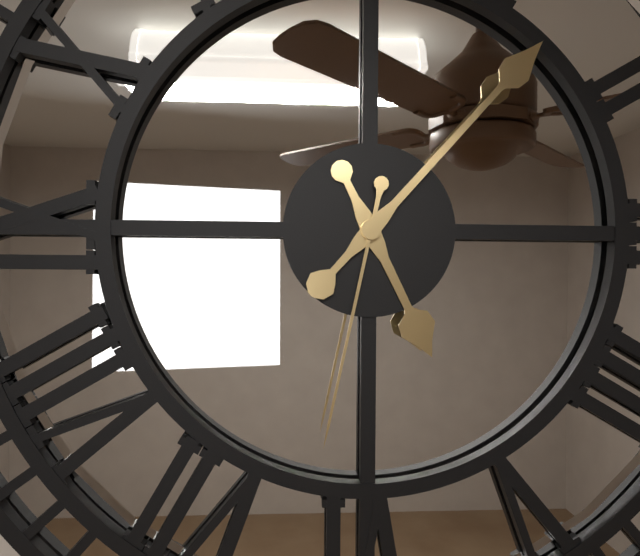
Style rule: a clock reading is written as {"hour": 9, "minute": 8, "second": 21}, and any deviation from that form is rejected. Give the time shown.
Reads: {"hour": 5, "minute": 7, "second": 32}
